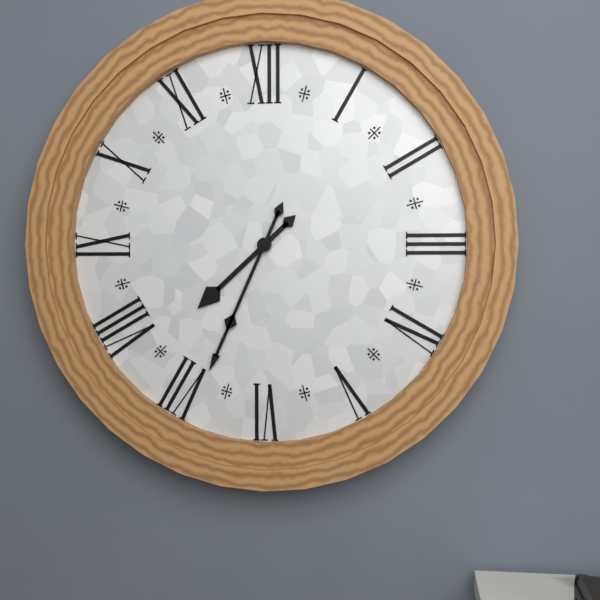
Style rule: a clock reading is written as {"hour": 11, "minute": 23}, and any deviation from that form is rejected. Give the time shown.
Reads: {"hour": 7, "minute": 34}
